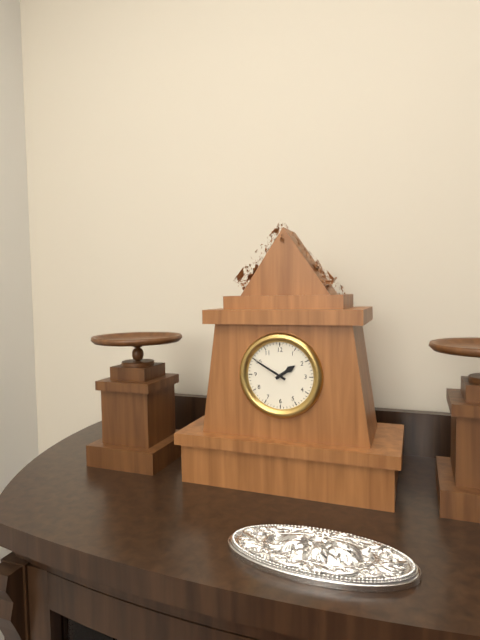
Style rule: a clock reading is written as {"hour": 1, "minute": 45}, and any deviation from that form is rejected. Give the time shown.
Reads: {"hour": 1, "minute": 50}
